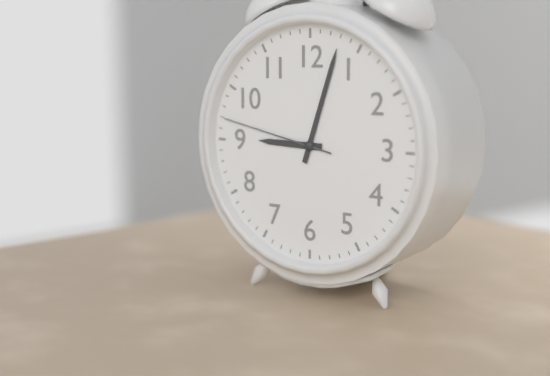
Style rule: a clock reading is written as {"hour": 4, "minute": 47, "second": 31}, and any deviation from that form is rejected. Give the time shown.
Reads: {"hour": 9, "minute": 3, "second": 47}
